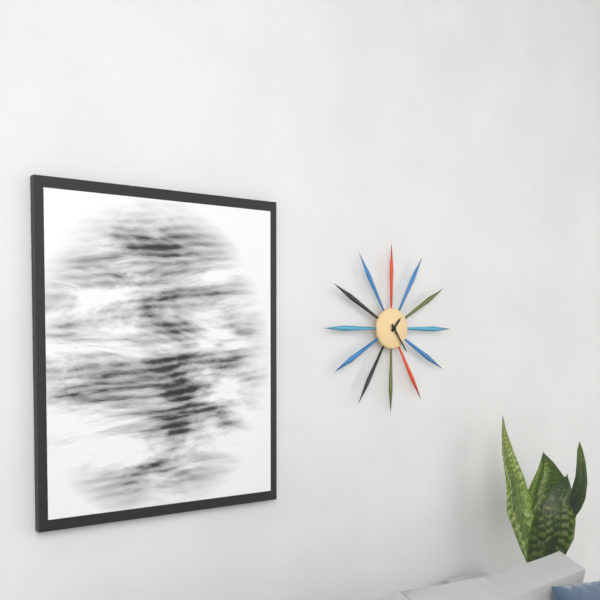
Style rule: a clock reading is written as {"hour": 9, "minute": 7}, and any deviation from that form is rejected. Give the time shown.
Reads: {"hour": 1, "minute": 24}
